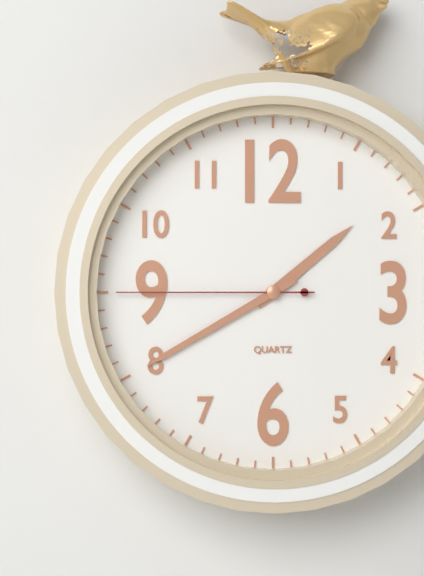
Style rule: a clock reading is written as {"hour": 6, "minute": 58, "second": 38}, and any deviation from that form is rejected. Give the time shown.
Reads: {"hour": 1, "minute": 40, "second": 45}
